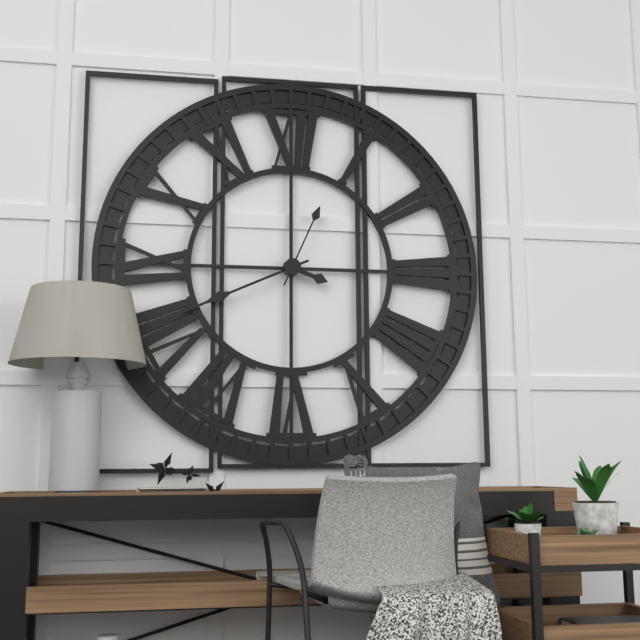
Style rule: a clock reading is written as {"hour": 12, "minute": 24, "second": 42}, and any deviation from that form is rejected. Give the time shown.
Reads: {"hour": 3, "minute": 41, "second": 4}
